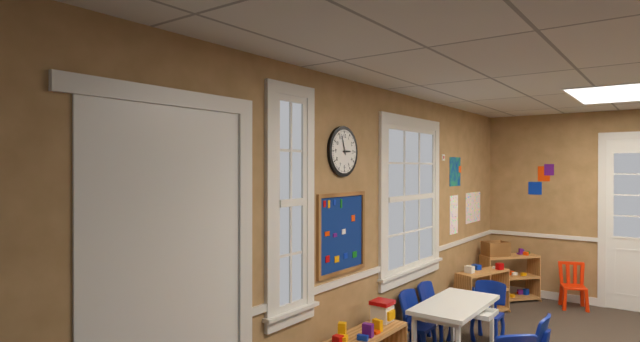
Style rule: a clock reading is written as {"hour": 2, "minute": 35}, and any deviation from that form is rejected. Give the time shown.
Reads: {"hour": 2, "minute": 57}
